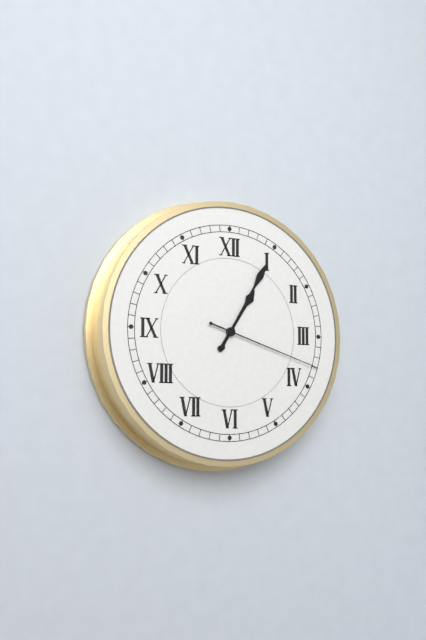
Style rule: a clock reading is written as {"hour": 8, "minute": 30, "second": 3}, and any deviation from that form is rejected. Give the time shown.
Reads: {"hour": 1, "minute": 5, "second": 18}
